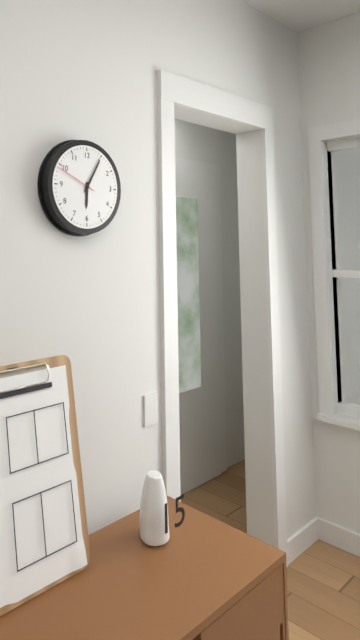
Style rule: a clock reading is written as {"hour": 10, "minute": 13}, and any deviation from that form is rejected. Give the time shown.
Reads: {"hour": 6, "minute": 5}
